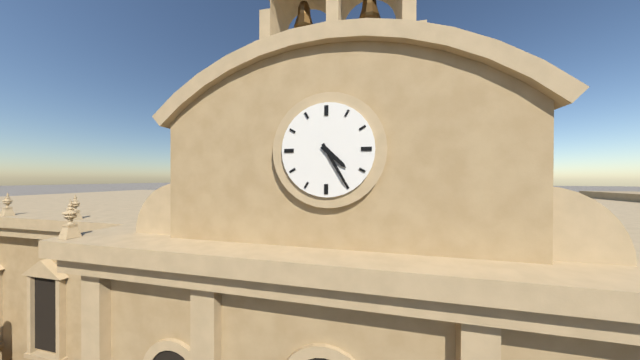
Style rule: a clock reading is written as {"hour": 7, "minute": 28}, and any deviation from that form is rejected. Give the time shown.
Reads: {"hour": 4, "minute": 25}
